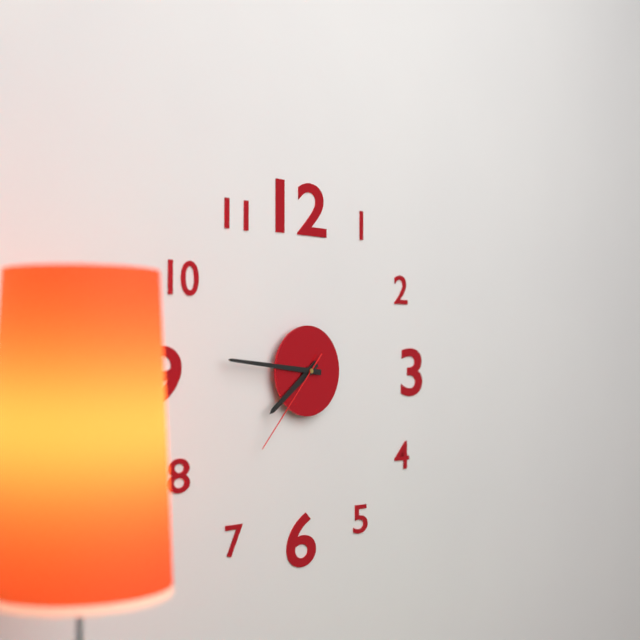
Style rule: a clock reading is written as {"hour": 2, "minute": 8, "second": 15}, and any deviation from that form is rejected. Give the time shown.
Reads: {"hour": 7, "minute": 46, "second": 37}
